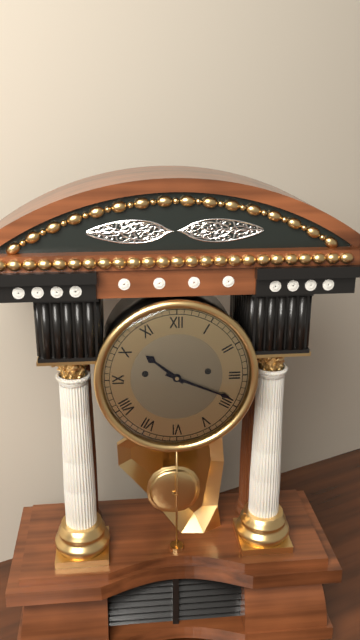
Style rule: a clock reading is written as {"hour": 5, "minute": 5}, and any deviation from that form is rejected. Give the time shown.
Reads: {"hour": 10, "minute": 19}
